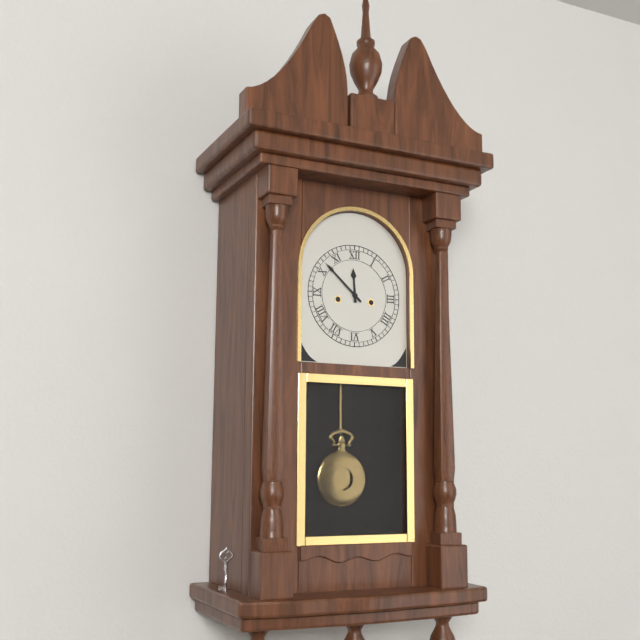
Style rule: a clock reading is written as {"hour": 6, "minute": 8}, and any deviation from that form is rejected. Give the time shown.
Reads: {"hour": 11, "minute": 52}
